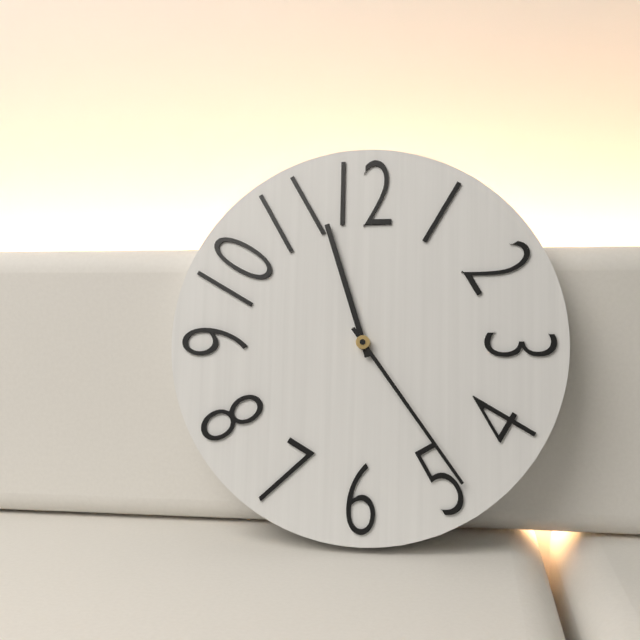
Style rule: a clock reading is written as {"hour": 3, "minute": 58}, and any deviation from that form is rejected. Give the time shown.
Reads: {"hour": 11, "minute": 24}
